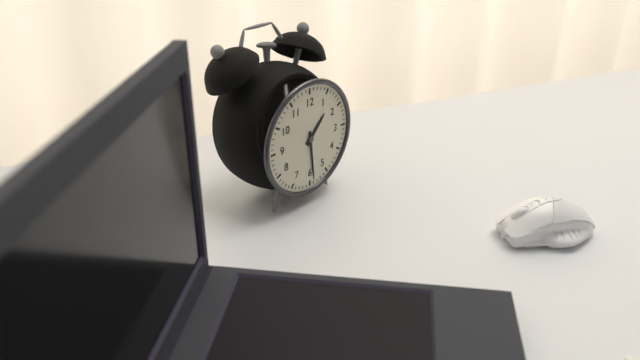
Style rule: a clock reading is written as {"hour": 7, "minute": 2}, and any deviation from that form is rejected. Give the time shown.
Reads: {"hour": 1, "minute": 29}
